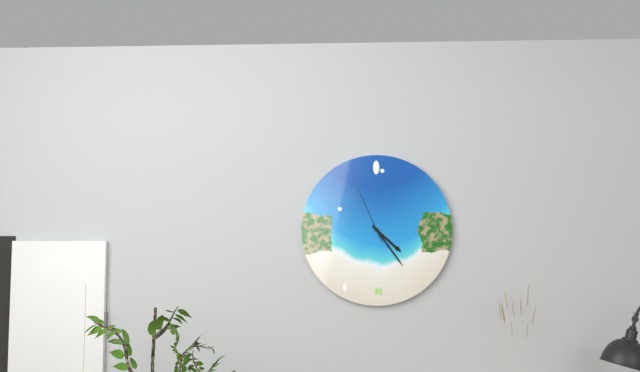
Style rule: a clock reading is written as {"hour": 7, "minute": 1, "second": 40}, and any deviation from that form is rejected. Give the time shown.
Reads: {"hour": 4, "minute": 24, "second": 56}
